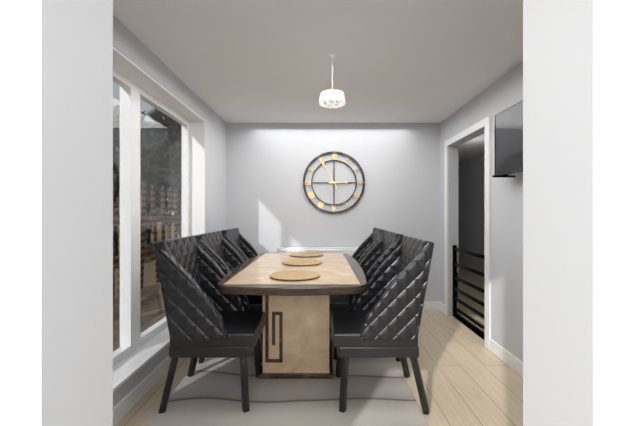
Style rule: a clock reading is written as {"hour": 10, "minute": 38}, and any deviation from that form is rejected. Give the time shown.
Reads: {"hour": 2, "minute": 55}
